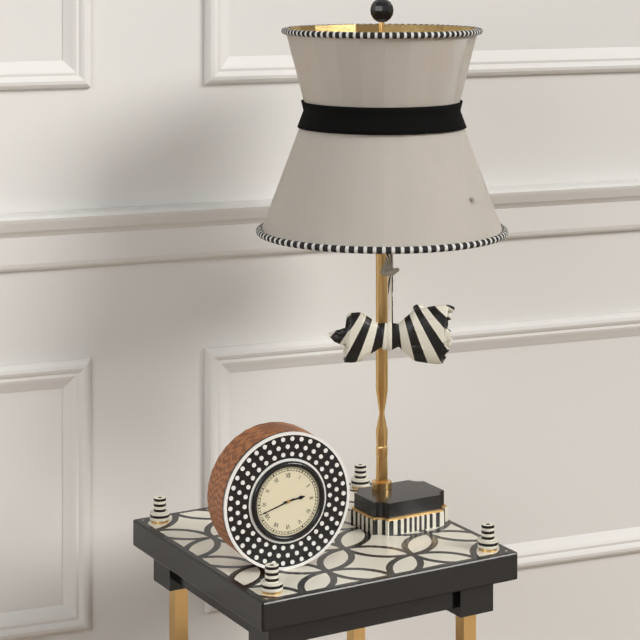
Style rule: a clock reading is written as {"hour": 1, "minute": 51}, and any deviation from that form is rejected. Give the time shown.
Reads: {"hour": 2, "minute": 42}
